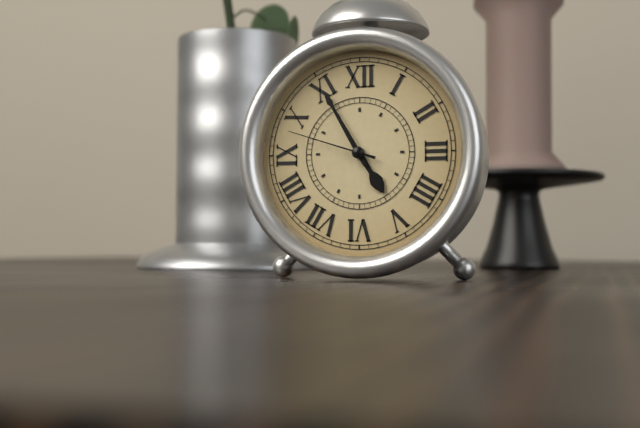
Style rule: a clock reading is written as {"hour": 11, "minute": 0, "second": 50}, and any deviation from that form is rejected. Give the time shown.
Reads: {"hour": 4, "minute": 55, "second": 48}
